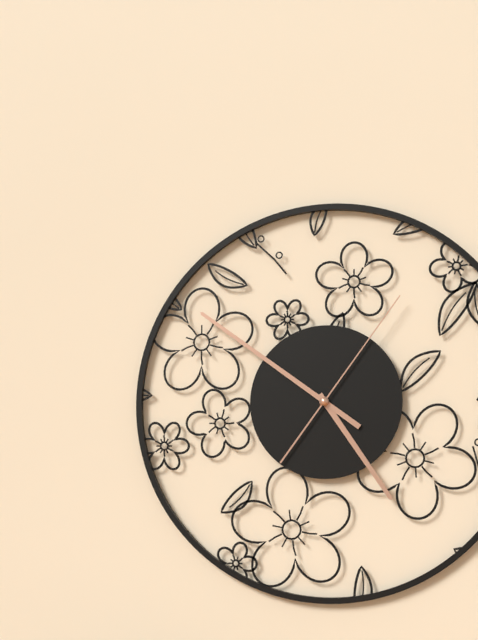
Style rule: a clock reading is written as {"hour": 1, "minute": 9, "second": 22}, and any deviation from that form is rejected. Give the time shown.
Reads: {"hour": 4, "minute": 51, "second": 6}
